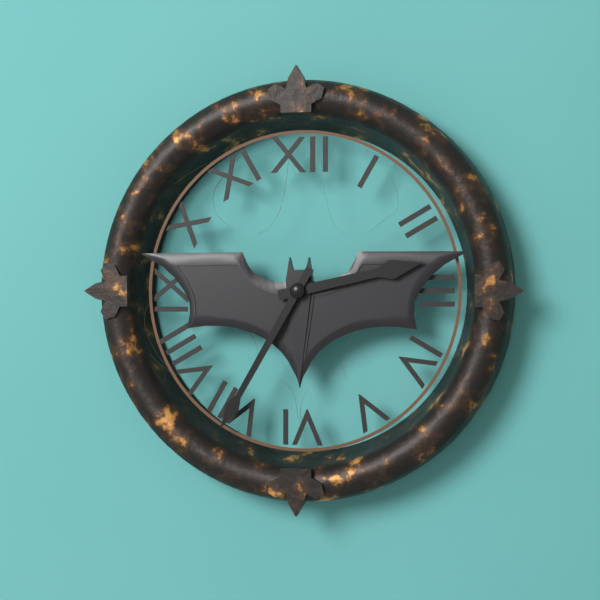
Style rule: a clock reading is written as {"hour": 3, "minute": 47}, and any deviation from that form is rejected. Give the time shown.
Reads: {"hour": 2, "minute": 35}
